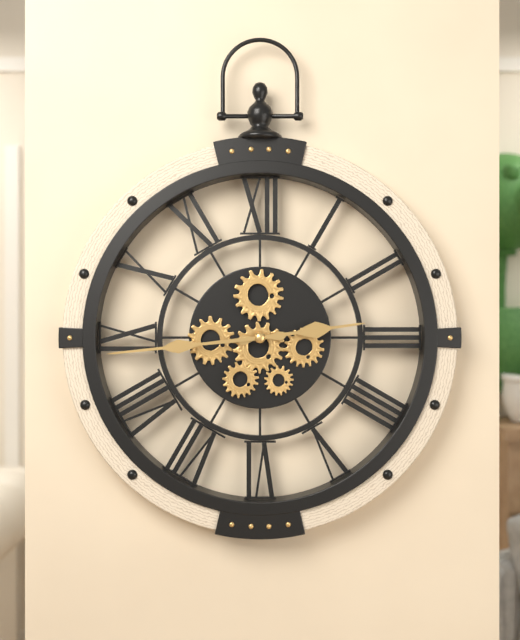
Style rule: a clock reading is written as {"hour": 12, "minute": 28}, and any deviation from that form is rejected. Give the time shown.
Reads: {"hour": 2, "minute": 44}
